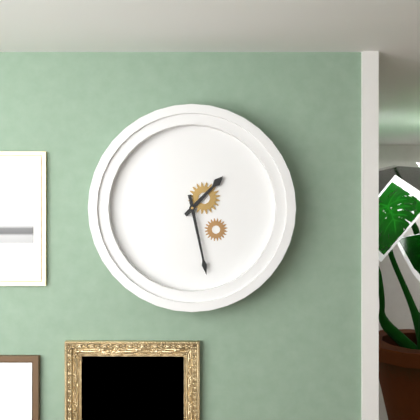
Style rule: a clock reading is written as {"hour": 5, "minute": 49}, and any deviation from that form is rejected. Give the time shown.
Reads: {"hour": 1, "minute": 28}
